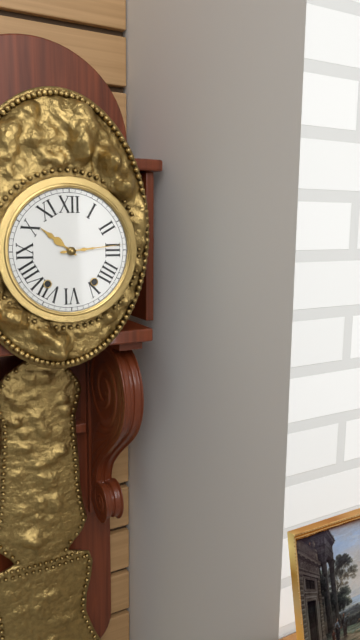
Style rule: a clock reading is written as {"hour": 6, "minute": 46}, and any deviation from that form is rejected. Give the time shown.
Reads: {"hour": 10, "minute": 14}
